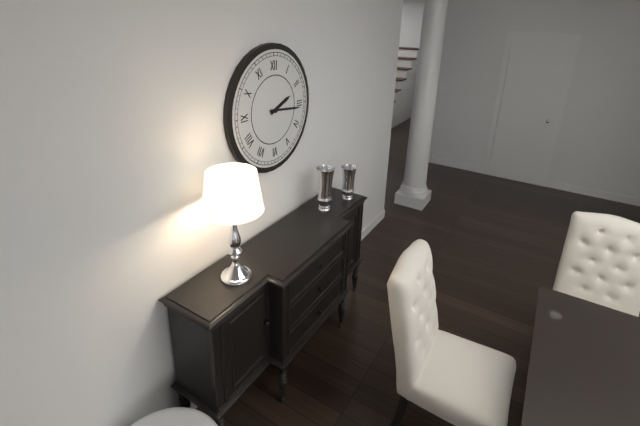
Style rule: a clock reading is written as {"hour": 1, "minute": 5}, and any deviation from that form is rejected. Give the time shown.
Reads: {"hour": 2, "minute": 16}
